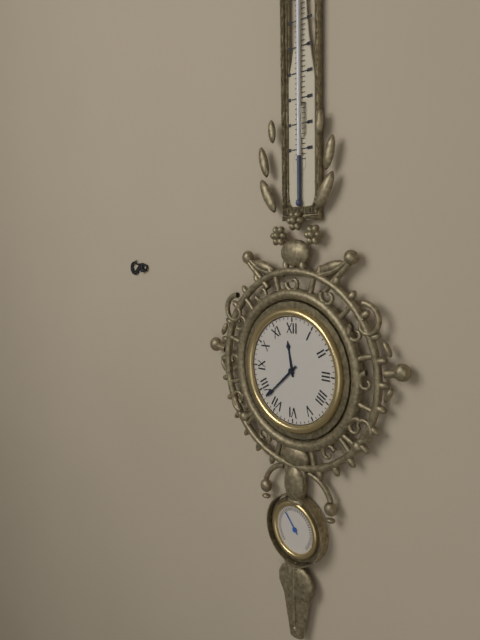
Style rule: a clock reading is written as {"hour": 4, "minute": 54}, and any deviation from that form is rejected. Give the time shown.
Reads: {"hour": 11, "minute": 38}
